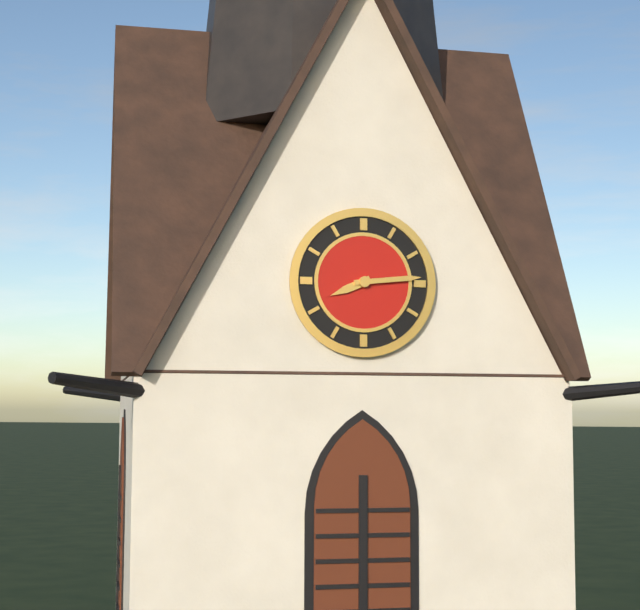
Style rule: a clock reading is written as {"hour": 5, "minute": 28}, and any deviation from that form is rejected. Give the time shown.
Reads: {"hour": 8, "minute": 14}
